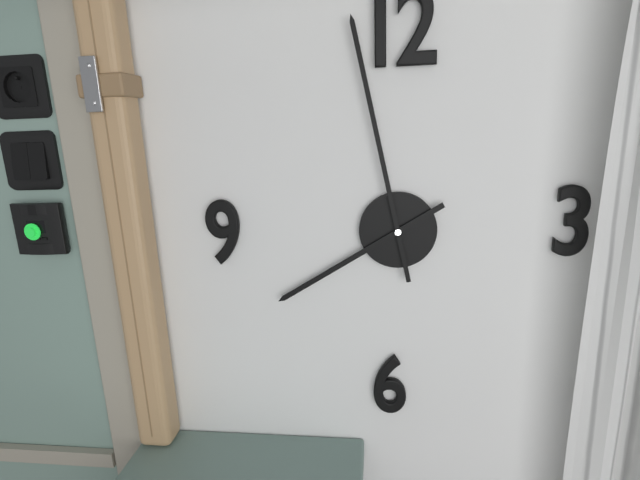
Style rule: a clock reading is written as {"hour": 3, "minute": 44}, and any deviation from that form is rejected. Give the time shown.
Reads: {"hour": 7, "minute": 58}
